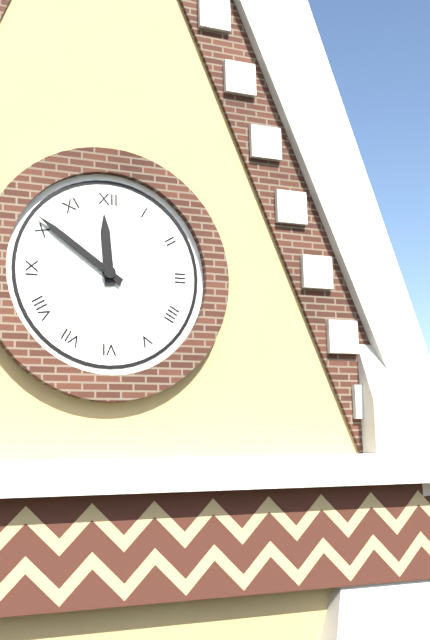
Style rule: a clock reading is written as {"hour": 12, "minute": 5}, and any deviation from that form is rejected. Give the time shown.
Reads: {"hour": 11, "minute": 51}
